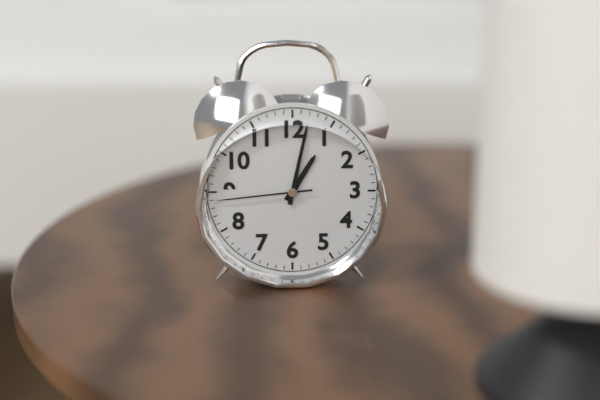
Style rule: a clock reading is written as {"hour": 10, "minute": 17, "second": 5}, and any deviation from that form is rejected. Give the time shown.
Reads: {"hour": 1, "minute": 2, "second": 44}
